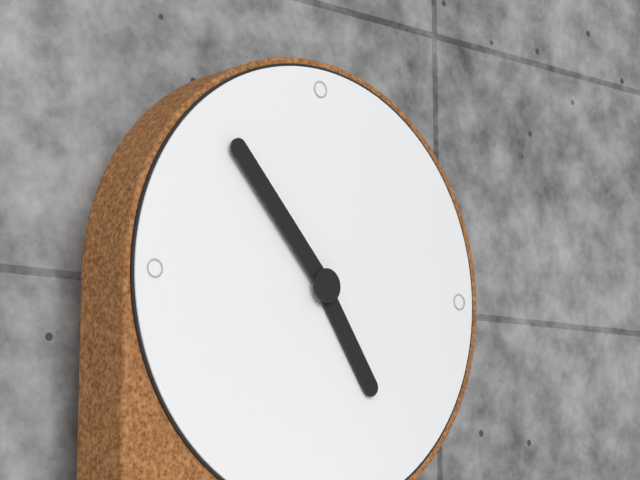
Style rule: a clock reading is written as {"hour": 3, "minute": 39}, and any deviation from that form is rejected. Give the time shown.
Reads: {"hour": 4, "minute": 53}
